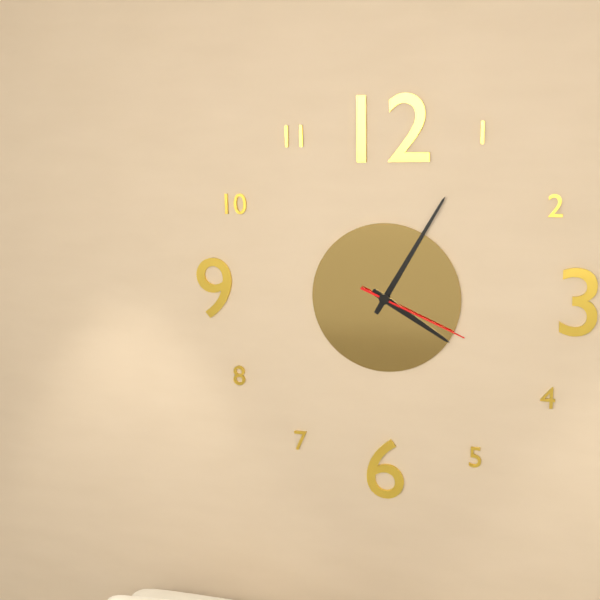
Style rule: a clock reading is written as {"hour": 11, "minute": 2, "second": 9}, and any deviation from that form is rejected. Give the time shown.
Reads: {"hour": 4, "minute": 5, "second": 19}
